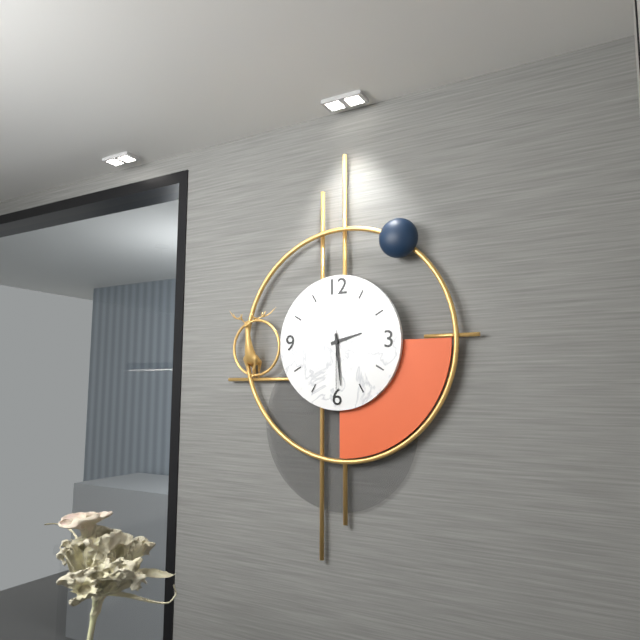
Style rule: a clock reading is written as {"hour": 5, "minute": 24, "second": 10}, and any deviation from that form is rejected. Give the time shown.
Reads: {"hour": 2, "minute": 29, "second": 30}
